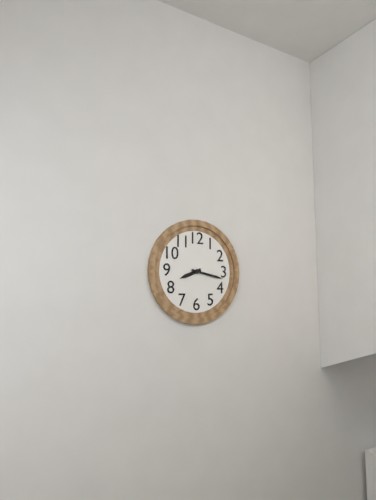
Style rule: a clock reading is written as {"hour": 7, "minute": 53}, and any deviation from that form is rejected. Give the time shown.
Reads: {"hour": 8, "minute": 17}
